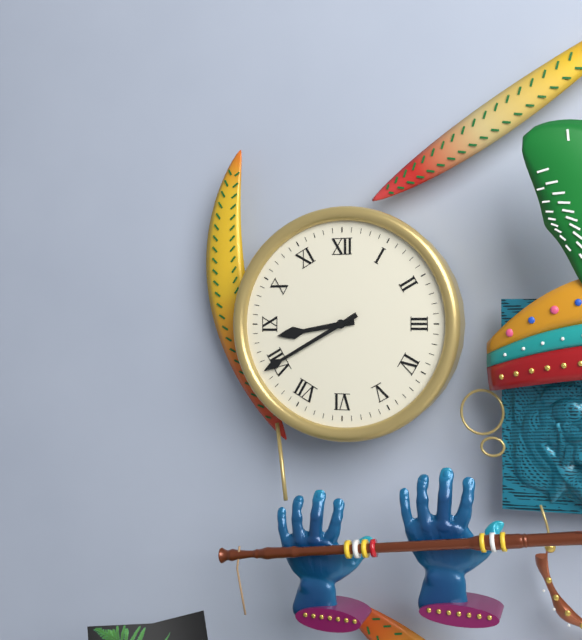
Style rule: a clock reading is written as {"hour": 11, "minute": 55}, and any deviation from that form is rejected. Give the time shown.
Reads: {"hour": 8, "minute": 40}
